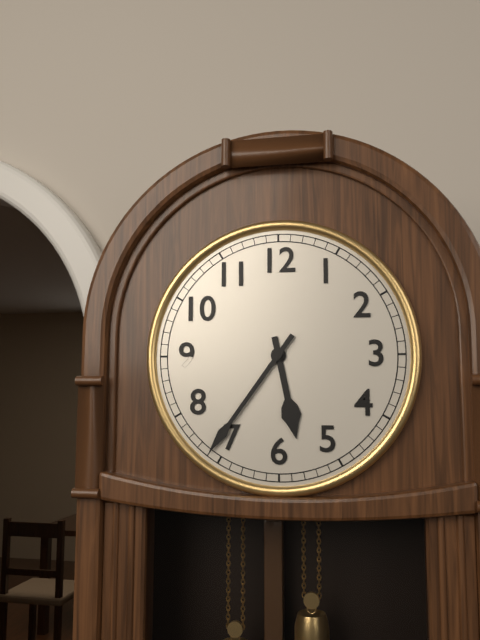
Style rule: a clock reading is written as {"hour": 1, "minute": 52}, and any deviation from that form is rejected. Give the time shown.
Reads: {"hour": 5, "minute": 36}
